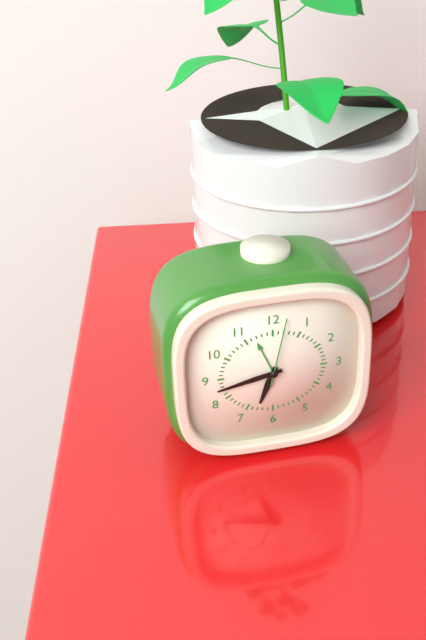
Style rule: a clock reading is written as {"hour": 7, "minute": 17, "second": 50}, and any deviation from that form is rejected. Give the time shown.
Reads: {"hour": 6, "minute": 43, "second": 2}
